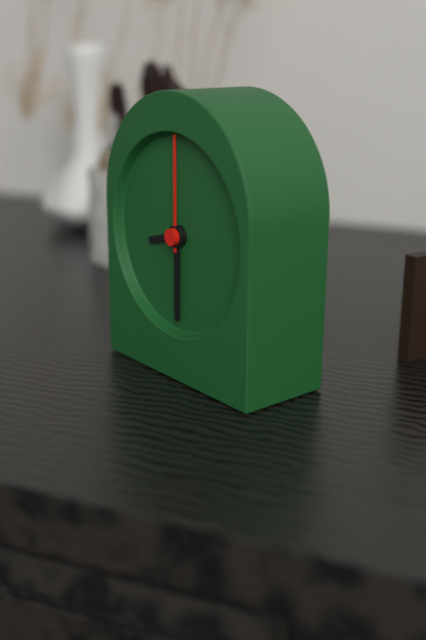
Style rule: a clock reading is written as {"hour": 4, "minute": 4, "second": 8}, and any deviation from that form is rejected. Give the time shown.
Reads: {"hour": 8, "minute": 30, "second": 0}
